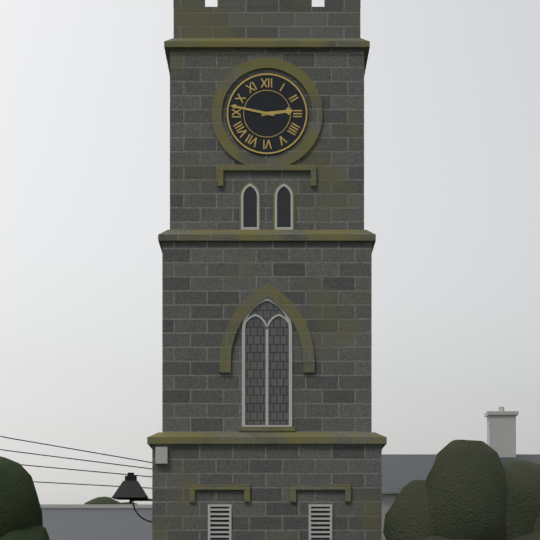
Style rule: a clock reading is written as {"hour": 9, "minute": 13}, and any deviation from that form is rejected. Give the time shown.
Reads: {"hour": 2, "minute": 47}
